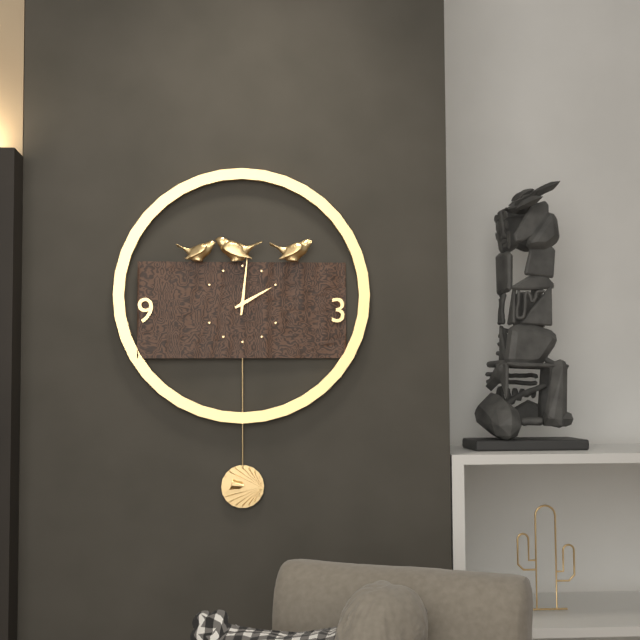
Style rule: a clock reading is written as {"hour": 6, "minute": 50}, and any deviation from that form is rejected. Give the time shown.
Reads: {"hour": 2, "minute": 1}
